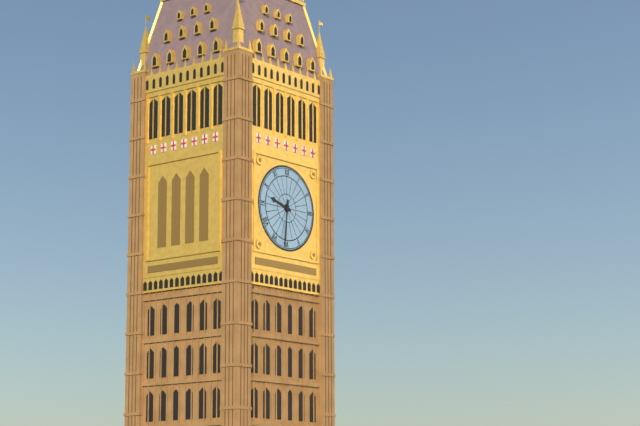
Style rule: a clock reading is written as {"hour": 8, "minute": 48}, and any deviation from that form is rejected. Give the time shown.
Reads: {"hour": 9, "minute": 31}
